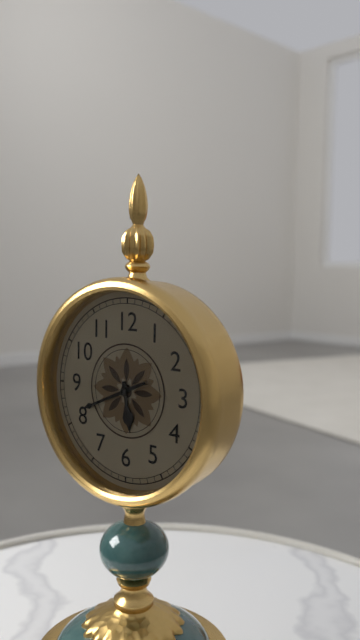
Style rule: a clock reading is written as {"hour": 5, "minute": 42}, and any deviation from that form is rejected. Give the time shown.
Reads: {"hour": 5, "minute": 41}
